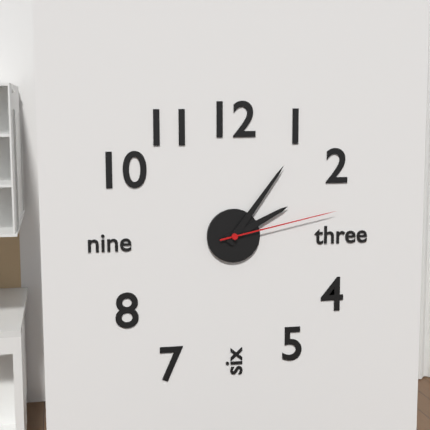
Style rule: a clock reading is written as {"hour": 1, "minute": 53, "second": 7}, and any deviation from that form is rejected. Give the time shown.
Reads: {"hour": 2, "minute": 6, "second": 13}
